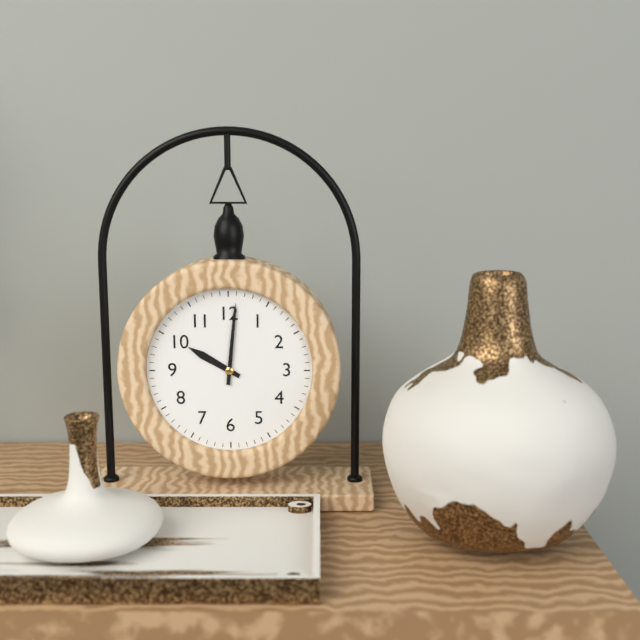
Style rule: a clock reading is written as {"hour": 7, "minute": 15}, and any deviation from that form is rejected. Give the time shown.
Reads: {"hour": 10, "minute": 1}
